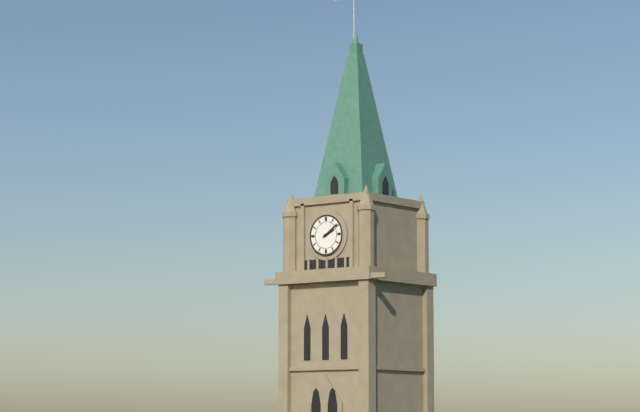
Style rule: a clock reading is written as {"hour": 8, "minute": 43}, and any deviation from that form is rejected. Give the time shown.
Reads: {"hour": 2, "minute": 9}
